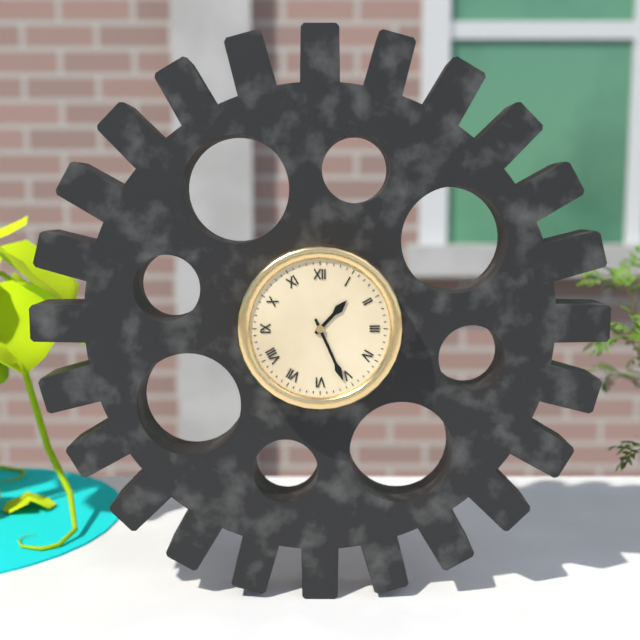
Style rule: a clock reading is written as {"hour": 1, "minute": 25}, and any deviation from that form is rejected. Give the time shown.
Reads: {"hour": 1, "minute": 26}
